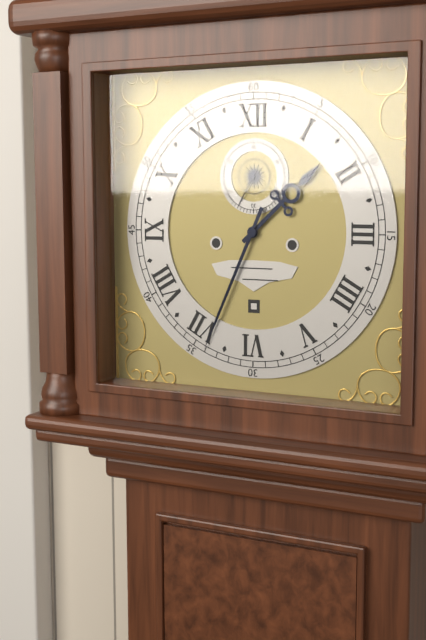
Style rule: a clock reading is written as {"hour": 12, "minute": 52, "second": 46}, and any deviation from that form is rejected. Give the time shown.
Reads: {"hour": 1, "minute": 34, "second": 35}
